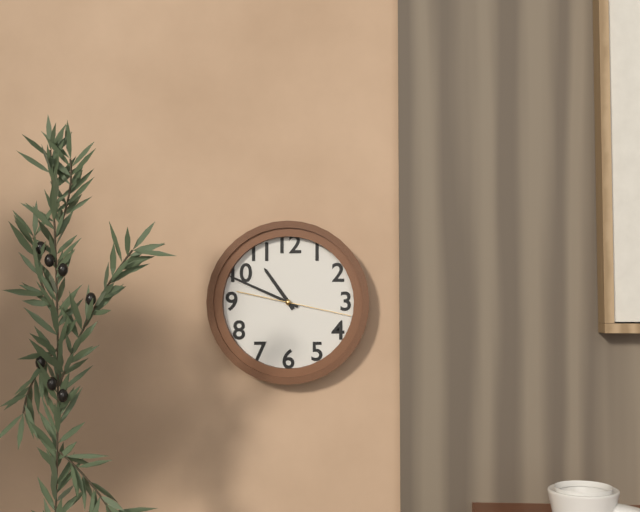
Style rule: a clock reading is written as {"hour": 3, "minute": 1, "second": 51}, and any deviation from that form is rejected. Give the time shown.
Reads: {"hour": 10, "minute": 49, "second": 17}
